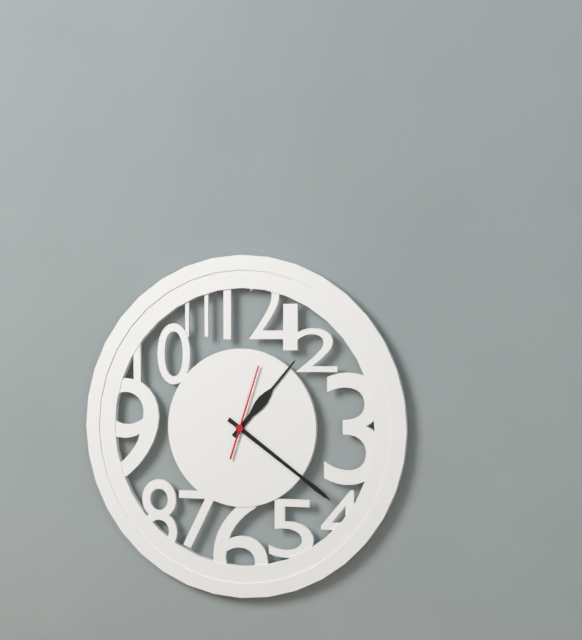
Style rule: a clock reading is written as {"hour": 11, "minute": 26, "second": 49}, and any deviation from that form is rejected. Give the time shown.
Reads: {"hour": 1, "minute": 21, "second": 3}
